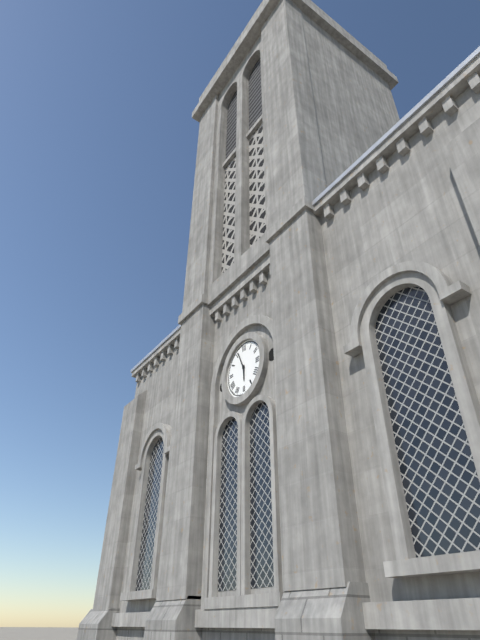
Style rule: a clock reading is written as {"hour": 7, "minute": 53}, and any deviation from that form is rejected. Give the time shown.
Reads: {"hour": 5, "minute": 56}
